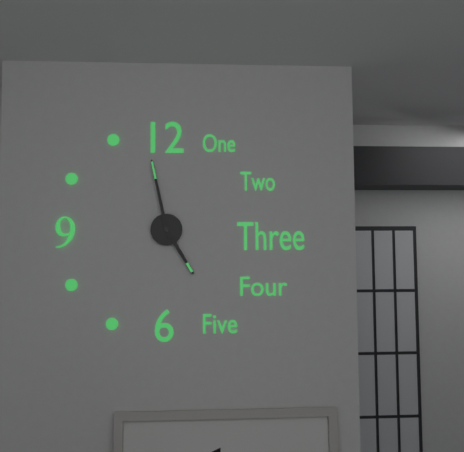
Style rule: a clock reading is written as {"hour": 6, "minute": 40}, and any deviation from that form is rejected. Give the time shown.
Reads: {"hour": 4, "minute": 58}
